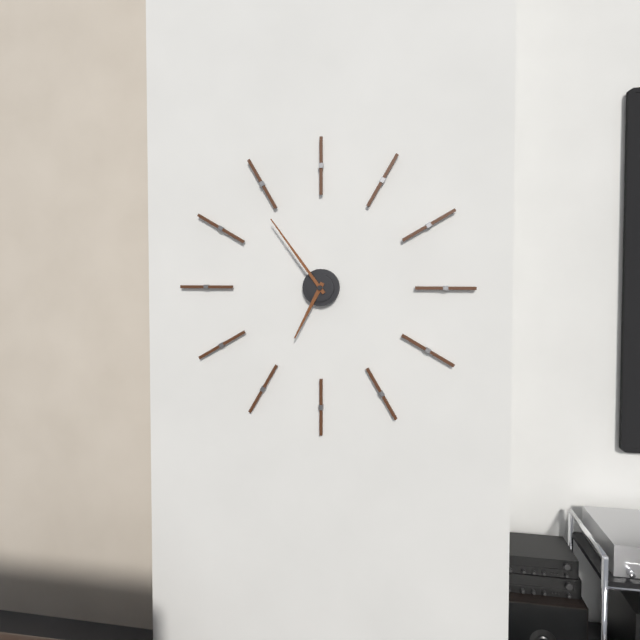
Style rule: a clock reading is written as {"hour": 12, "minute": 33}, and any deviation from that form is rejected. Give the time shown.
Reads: {"hour": 6, "minute": 54}
